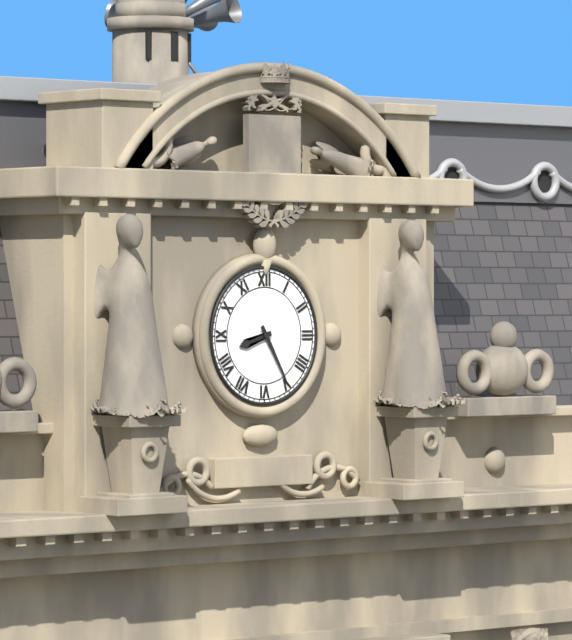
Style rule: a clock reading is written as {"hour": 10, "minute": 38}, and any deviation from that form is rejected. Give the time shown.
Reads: {"hour": 8, "minute": 25}
